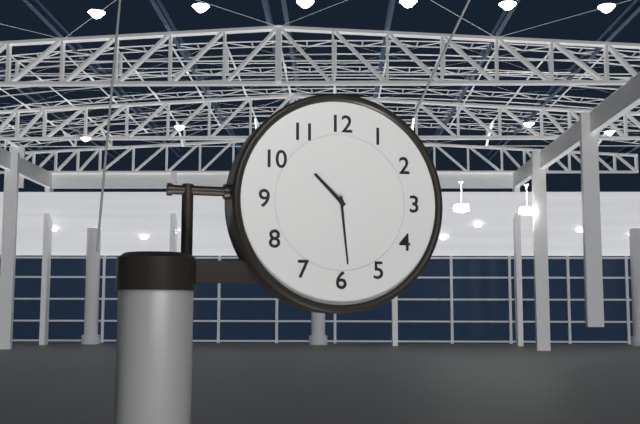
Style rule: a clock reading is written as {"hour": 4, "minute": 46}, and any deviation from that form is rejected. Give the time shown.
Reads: {"hour": 10, "minute": 29}
